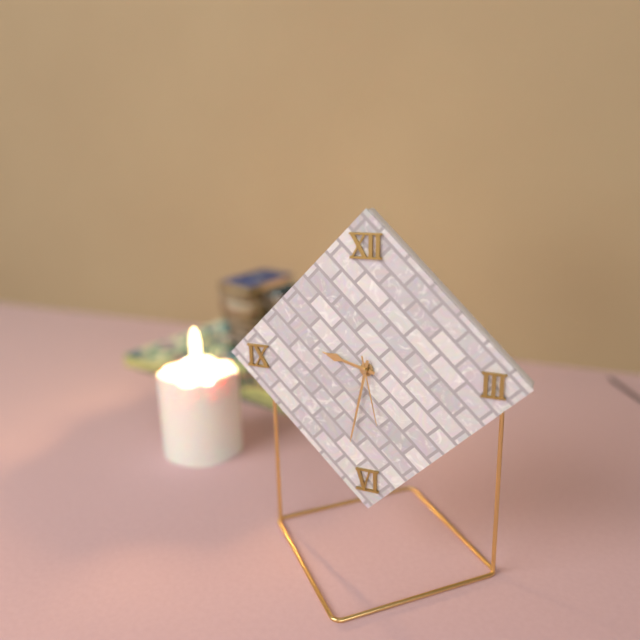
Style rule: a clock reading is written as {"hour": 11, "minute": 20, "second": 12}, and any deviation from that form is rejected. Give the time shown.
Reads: {"hour": 9, "minute": 32, "second": 28}
